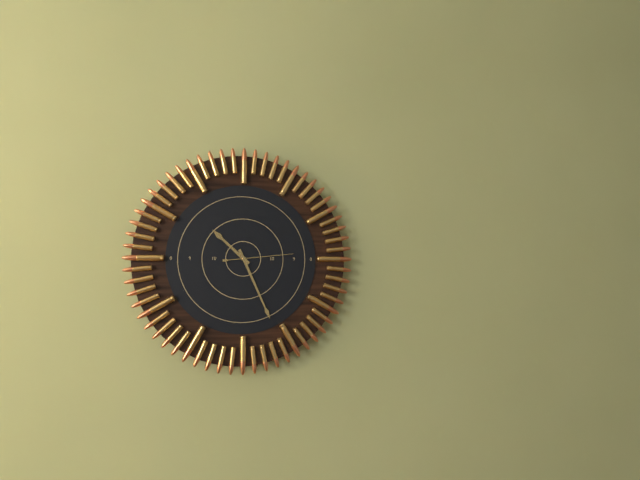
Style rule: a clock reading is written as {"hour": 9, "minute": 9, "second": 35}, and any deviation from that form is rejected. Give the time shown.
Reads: {"hour": 10, "minute": 26, "second": 14}
